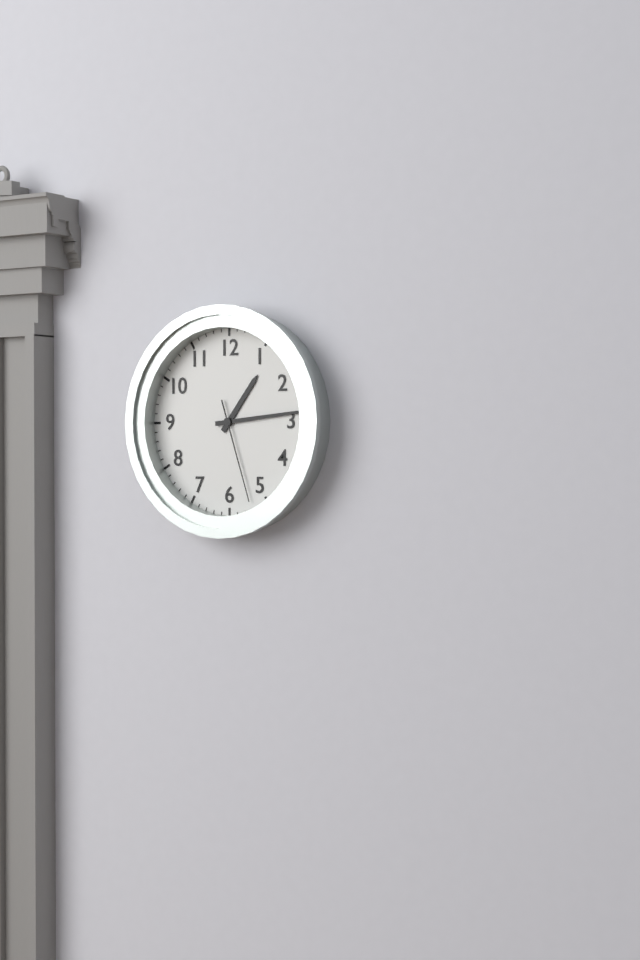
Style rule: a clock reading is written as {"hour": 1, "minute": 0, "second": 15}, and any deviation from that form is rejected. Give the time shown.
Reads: {"hour": 1, "minute": 14, "second": 27}
